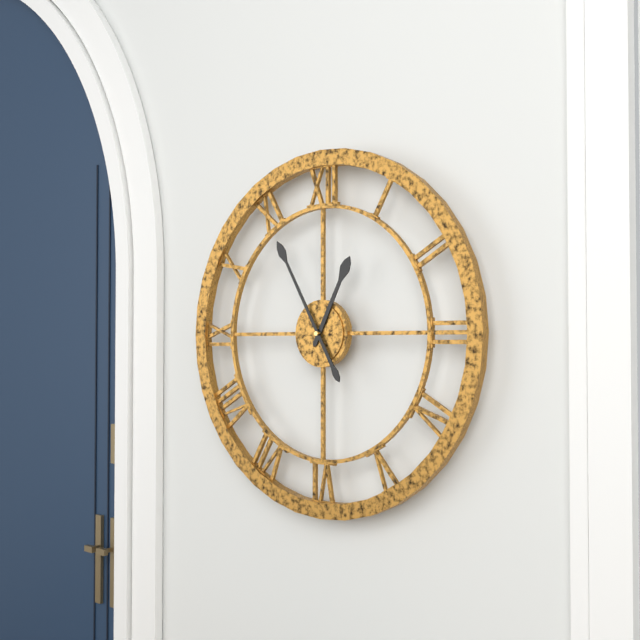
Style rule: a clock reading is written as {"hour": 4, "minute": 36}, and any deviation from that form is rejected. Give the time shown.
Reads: {"hour": 12, "minute": 55}
